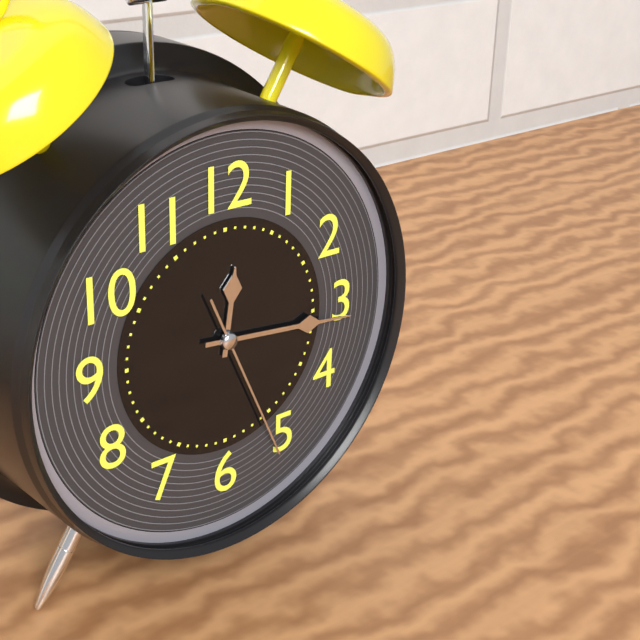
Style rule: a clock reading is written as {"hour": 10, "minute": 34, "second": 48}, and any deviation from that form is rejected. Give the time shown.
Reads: {"hour": 12, "minute": 16, "second": 26}
